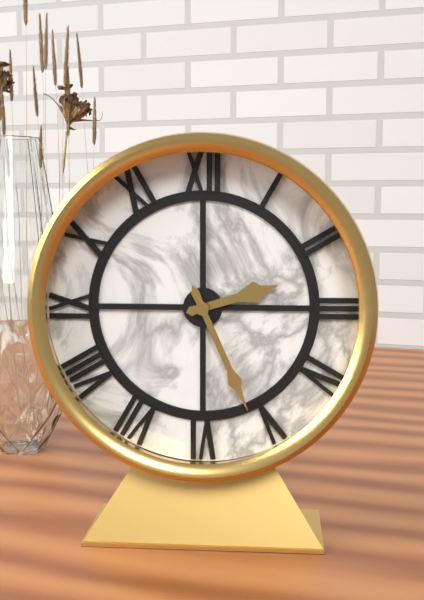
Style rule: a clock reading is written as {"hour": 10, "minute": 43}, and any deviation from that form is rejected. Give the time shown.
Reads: {"hour": 2, "minute": 26}
